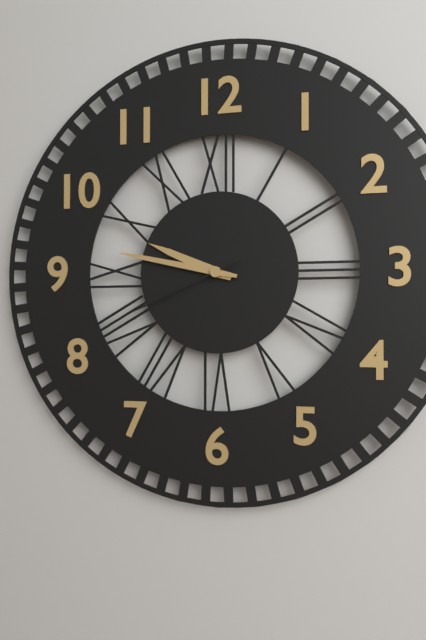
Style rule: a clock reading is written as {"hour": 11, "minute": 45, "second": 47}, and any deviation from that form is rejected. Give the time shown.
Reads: {"hour": 9, "minute": 47, "second": 41}
